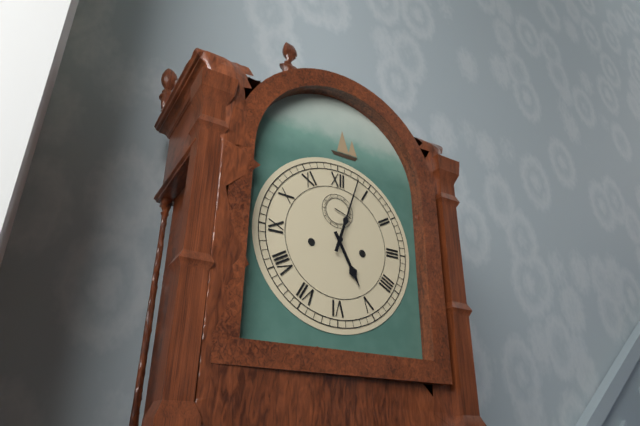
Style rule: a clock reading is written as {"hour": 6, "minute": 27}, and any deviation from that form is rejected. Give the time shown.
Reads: {"hour": 5, "minute": 3}
